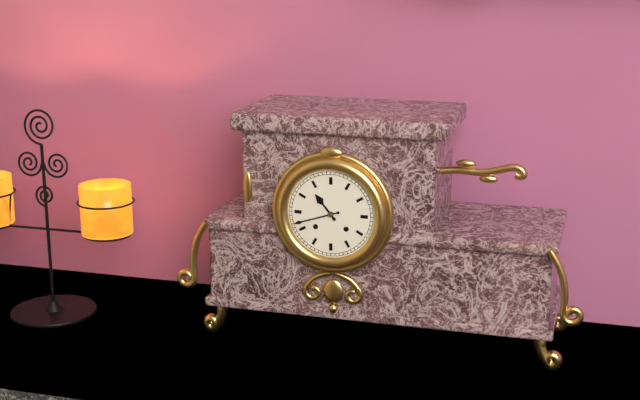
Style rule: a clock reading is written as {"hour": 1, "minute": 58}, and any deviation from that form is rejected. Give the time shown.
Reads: {"hour": 10, "minute": 42}
